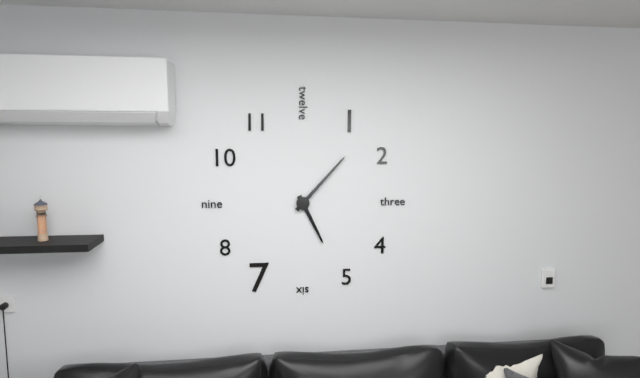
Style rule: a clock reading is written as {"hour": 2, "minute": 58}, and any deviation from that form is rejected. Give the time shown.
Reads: {"hour": 5, "minute": 7}
